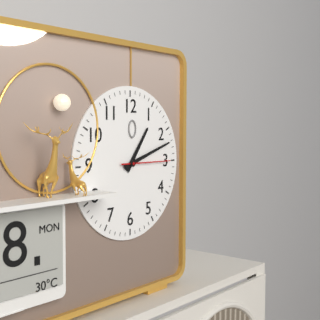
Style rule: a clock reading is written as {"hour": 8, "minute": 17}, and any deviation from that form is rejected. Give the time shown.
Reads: {"hour": 1, "minute": 12}
